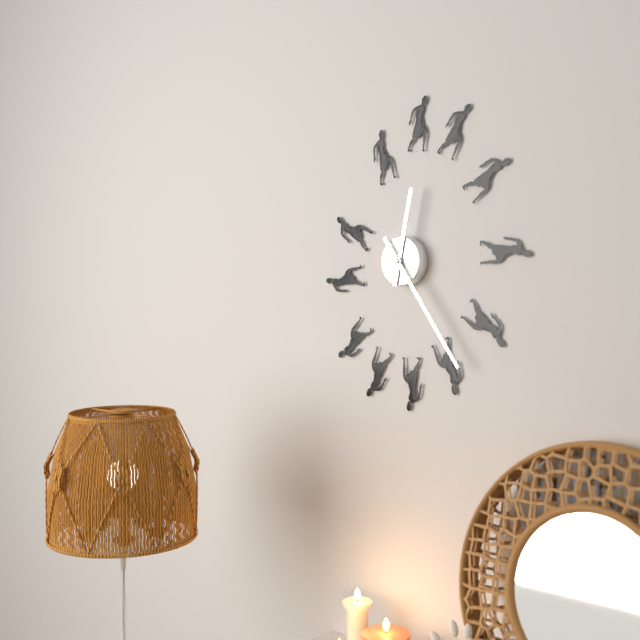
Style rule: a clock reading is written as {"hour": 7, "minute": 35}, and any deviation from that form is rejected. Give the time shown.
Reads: {"hour": 12, "minute": 24}
